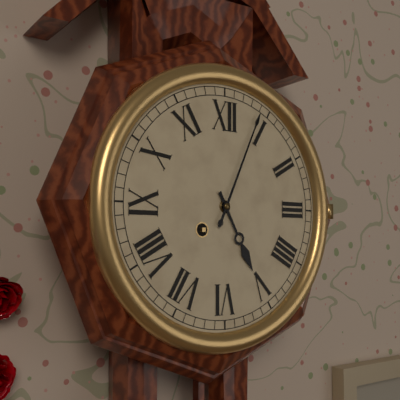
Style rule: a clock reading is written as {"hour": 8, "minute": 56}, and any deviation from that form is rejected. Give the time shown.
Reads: {"hour": 5, "minute": 4}
